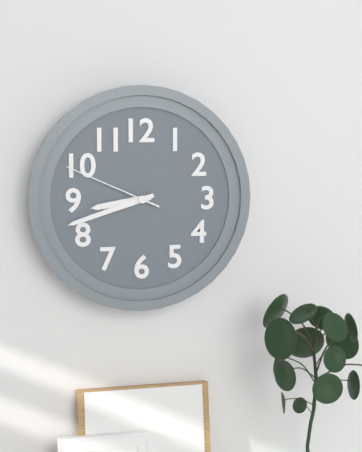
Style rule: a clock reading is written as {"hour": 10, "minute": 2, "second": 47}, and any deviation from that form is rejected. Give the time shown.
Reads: {"hour": 8, "minute": 42, "second": 49}
